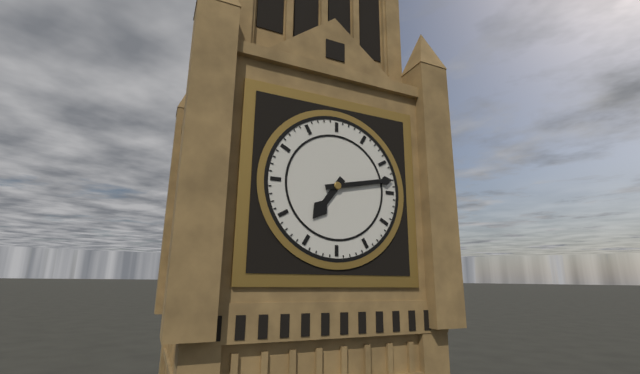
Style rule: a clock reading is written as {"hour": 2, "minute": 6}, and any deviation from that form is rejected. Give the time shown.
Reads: {"hour": 7, "minute": 13}
